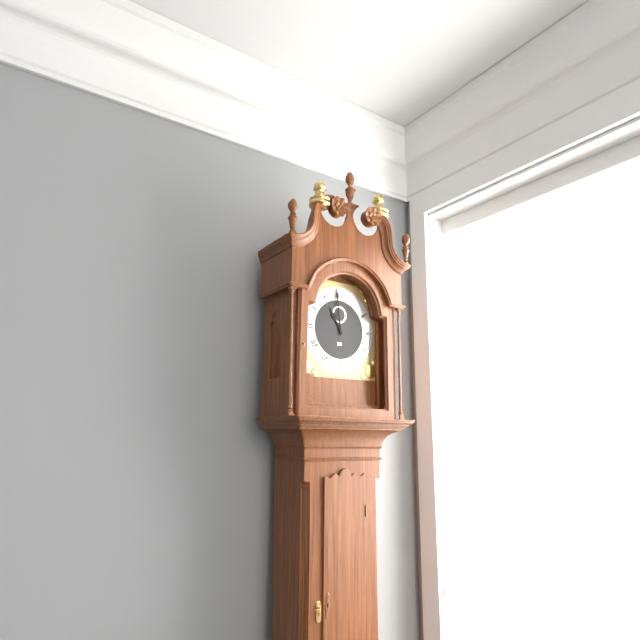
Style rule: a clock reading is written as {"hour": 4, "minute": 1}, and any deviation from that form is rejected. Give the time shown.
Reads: {"hour": 10, "minute": 59}
